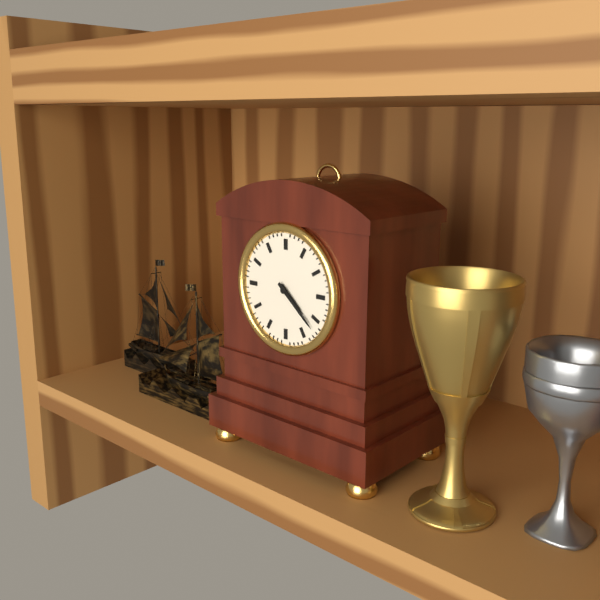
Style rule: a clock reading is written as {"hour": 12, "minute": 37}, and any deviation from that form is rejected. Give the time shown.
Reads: {"hour": 4, "minute": 22}
